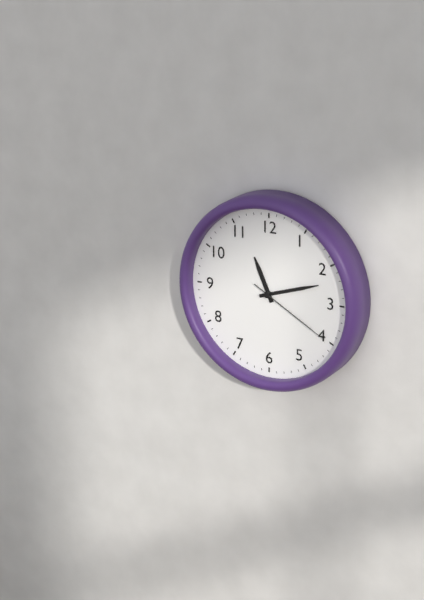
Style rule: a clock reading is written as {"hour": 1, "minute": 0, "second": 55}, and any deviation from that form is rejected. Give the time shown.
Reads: {"hour": 11, "minute": 12, "second": 20}
